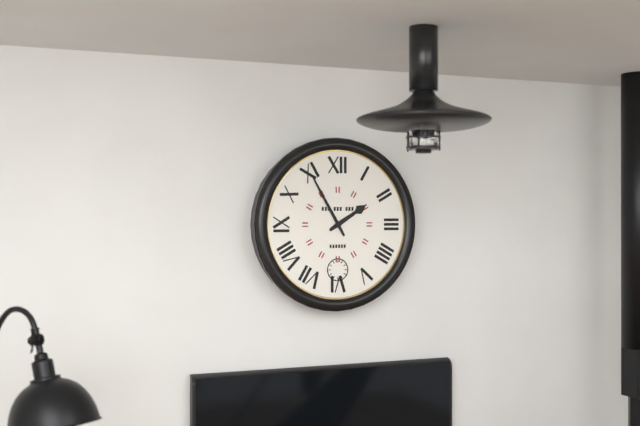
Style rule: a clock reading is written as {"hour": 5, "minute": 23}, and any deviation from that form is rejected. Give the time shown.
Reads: {"hour": 1, "minute": 55}
